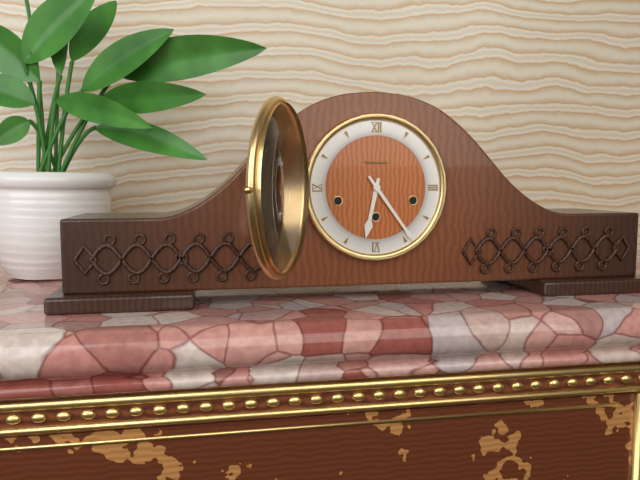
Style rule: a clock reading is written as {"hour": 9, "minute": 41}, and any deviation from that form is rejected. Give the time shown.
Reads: {"hour": 6, "minute": 24}
